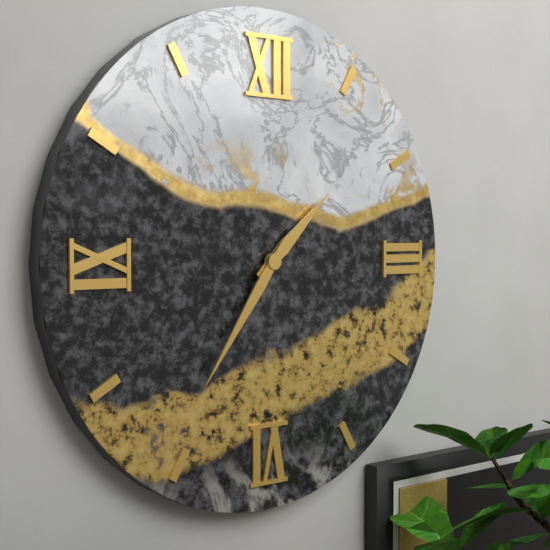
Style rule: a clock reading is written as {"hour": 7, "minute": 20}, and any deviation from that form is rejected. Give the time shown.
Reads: {"hour": 1, "minute": 36}
